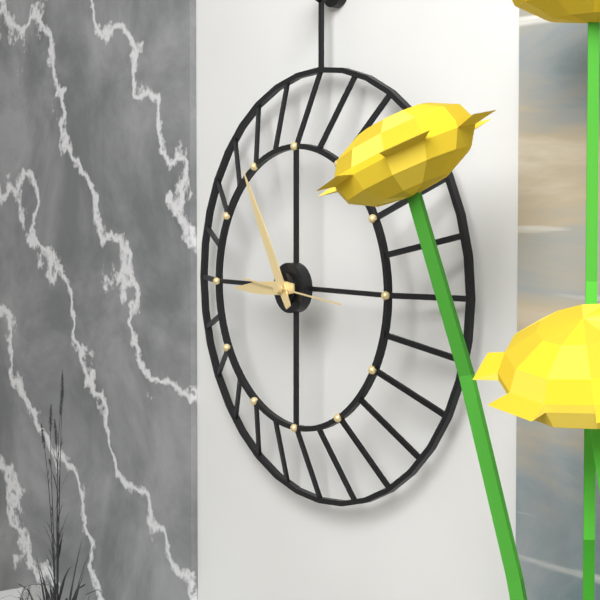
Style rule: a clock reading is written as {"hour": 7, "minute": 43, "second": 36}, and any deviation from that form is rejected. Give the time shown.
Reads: {"hour": 8, "minute": 55, "second": 16}
